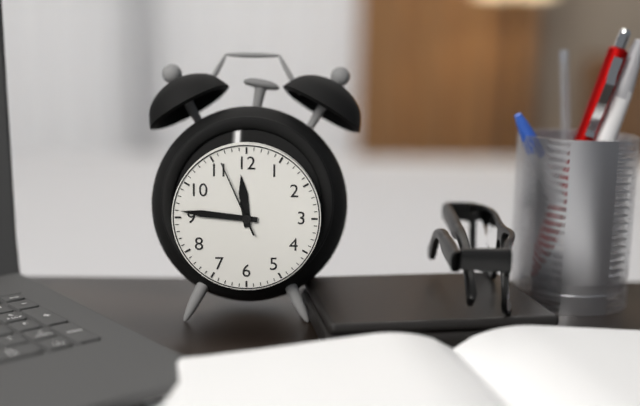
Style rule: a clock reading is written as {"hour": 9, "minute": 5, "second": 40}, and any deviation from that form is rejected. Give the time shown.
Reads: {"hour": 11, "minute": 46, "second": 56}
